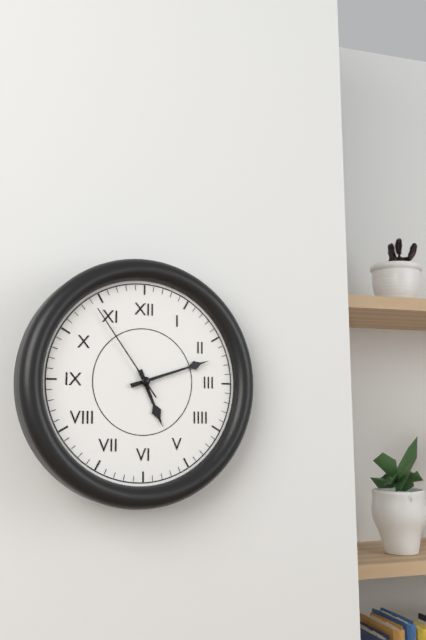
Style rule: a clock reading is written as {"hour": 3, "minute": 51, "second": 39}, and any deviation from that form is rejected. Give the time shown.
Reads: {"hour": 5, "minute": 12, "second": 54}
